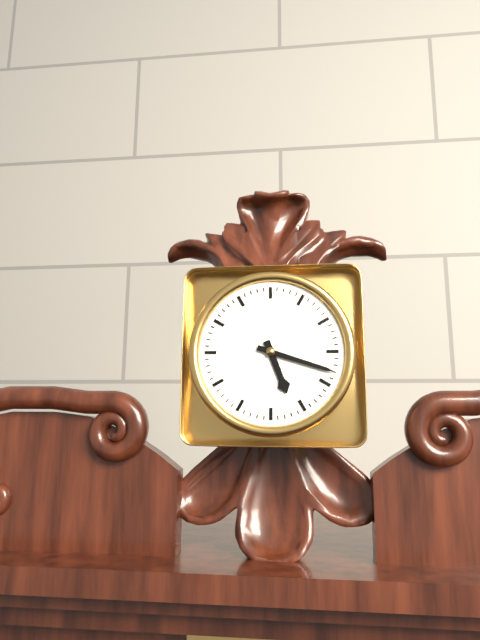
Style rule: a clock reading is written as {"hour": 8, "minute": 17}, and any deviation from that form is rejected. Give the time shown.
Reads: {"hour": 5, "minute": 18}
